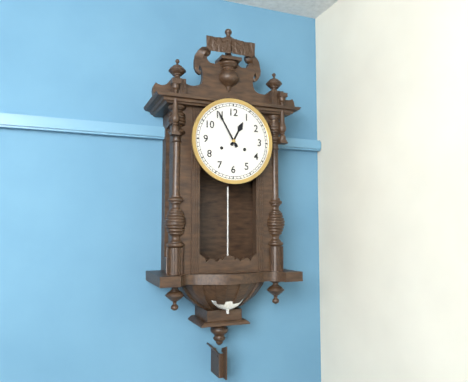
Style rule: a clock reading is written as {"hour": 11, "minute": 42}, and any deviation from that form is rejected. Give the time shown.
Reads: {"hour": 12, "minute": 55}
